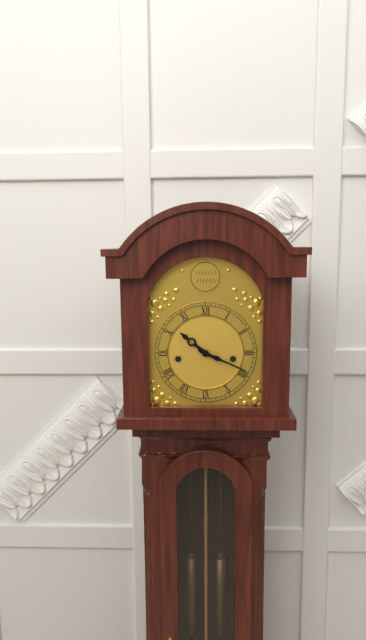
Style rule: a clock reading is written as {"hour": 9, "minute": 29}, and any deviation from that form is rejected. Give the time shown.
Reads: {"hour": 10, "minute": 19}
